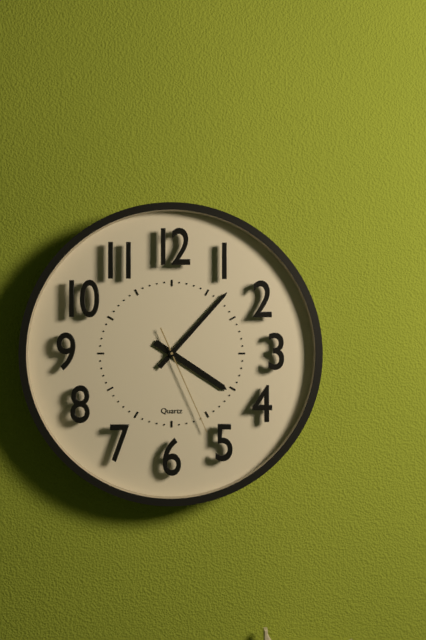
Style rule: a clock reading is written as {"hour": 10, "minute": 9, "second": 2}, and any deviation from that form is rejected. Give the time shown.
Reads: {"hour": 4, "minute": 7, "second": 26}
